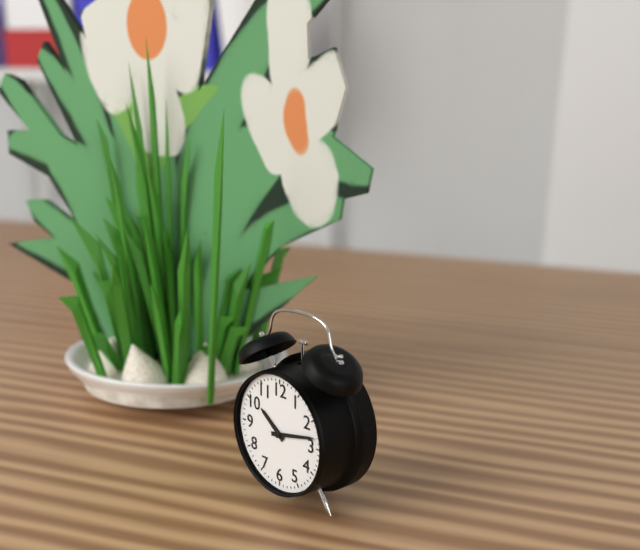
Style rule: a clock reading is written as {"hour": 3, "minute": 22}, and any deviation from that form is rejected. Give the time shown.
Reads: {"hour": 10, "minute": 13}
